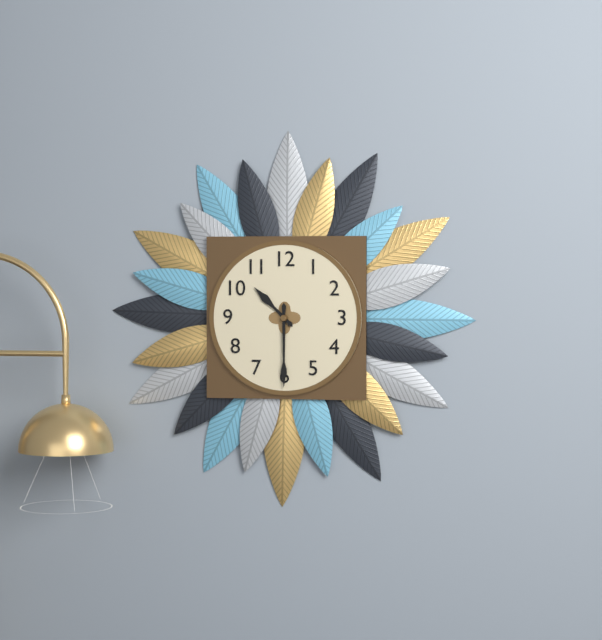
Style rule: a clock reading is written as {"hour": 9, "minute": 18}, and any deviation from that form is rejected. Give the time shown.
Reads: {"hour": 10, "minute": 30}
